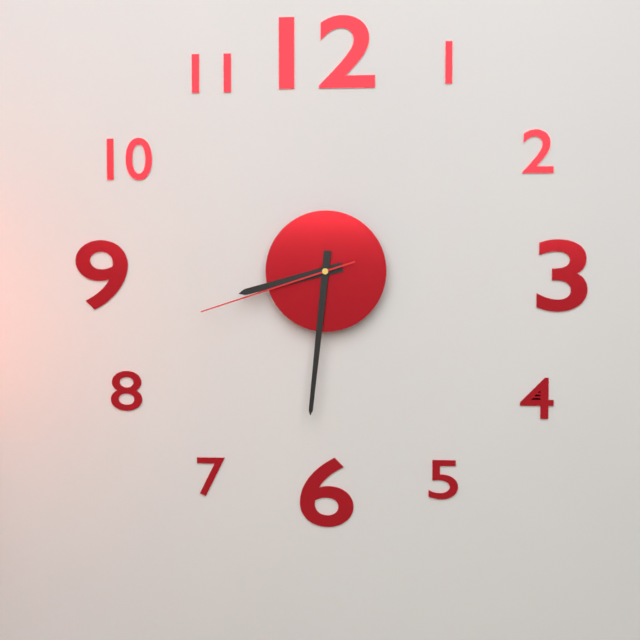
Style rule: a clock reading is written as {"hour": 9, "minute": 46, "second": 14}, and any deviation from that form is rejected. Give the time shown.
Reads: {"hour": 8, "minute": 31, "second": 42}
